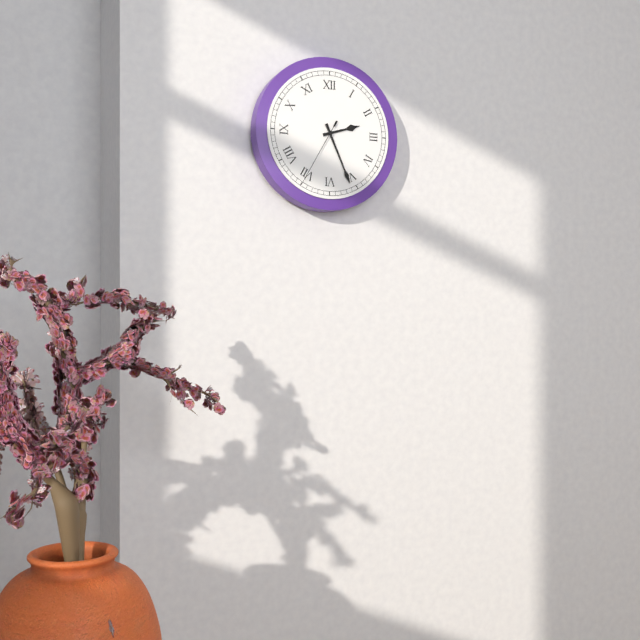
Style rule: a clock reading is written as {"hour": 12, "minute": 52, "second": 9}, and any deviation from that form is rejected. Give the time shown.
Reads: {"hour": 2, "minute": 26, "second": 35}
